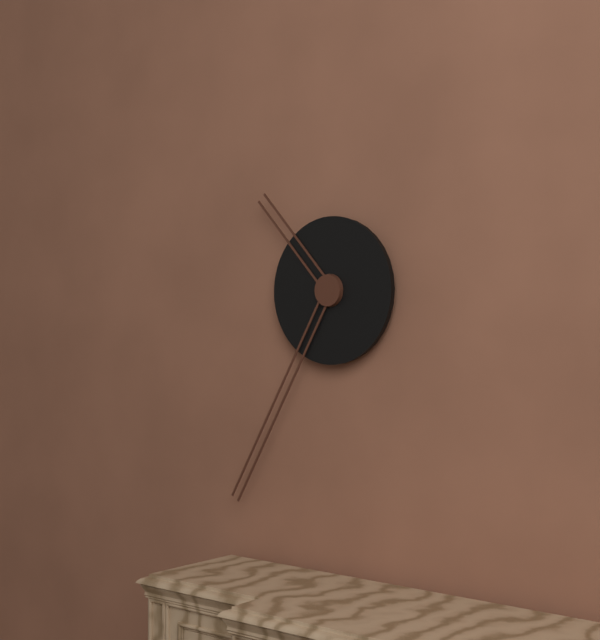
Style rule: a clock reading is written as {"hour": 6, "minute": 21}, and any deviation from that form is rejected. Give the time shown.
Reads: {"hour": 10, "minute": 35}
